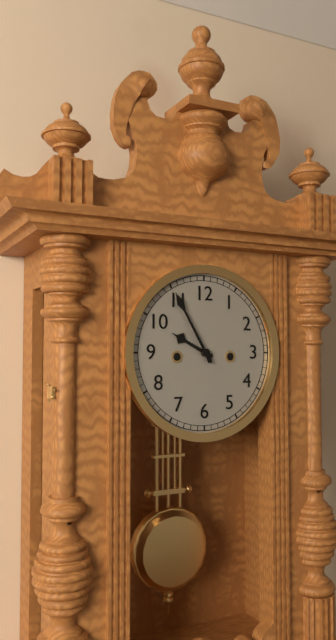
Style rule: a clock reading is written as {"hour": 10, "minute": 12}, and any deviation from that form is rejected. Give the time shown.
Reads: {"hour": 9, "minute": 55}
